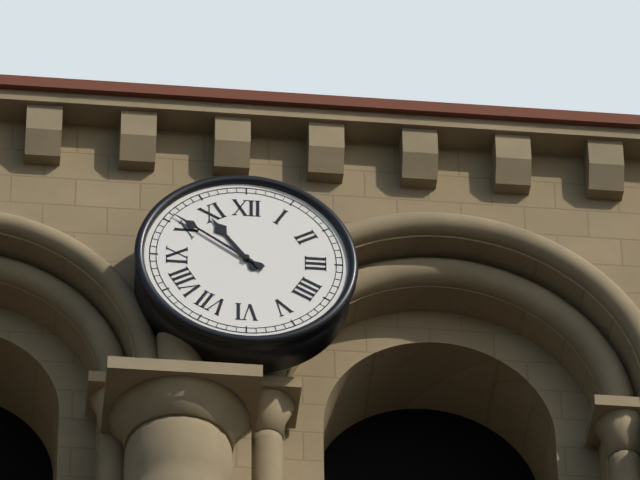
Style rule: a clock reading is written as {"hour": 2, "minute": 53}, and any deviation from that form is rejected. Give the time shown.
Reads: {"hour": 10, "minute": 51}
